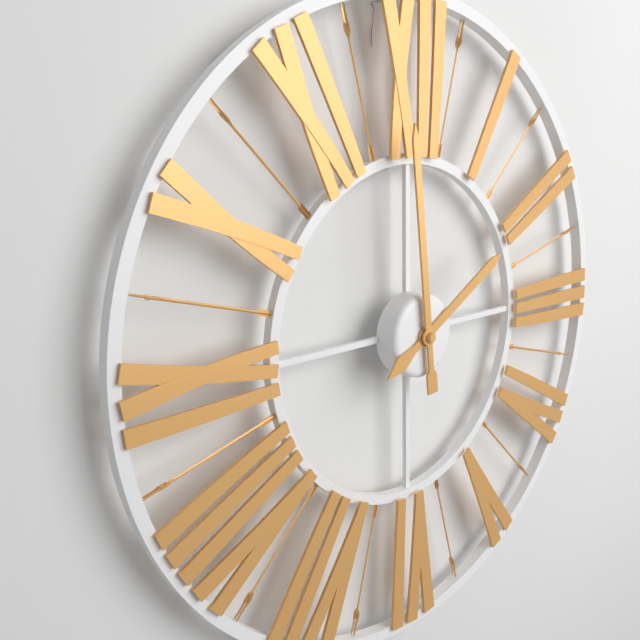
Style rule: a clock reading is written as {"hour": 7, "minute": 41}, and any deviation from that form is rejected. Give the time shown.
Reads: {"hour": 1, "minute": 59}
